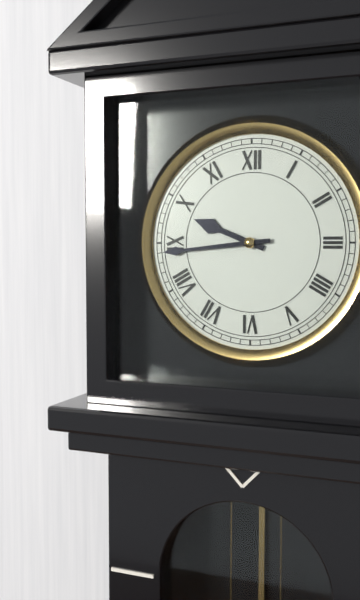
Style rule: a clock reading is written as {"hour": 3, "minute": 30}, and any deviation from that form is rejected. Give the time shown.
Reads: {"hour": 9, "minute": 44}
